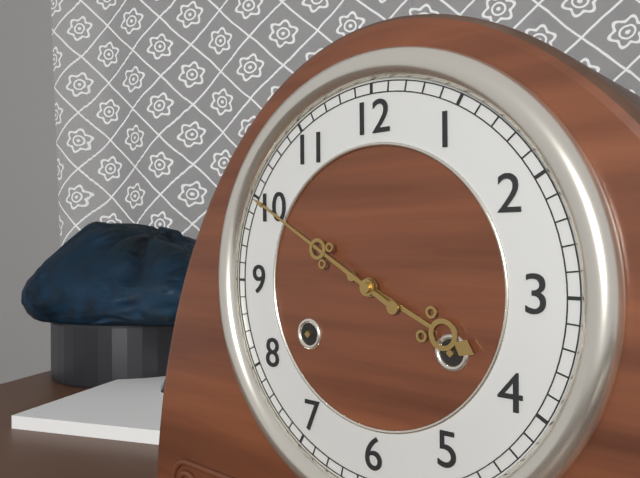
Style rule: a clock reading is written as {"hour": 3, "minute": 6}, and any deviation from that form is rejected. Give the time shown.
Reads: {"hour": 3, "minute": 50}
